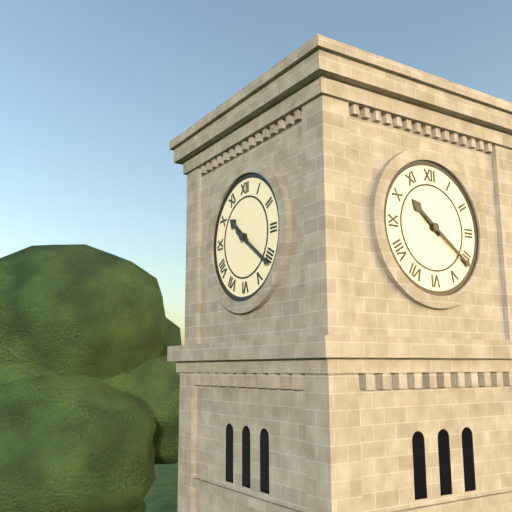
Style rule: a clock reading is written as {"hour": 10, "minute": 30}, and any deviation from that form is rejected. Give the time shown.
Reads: {"hour": 10, "minute": 21}
